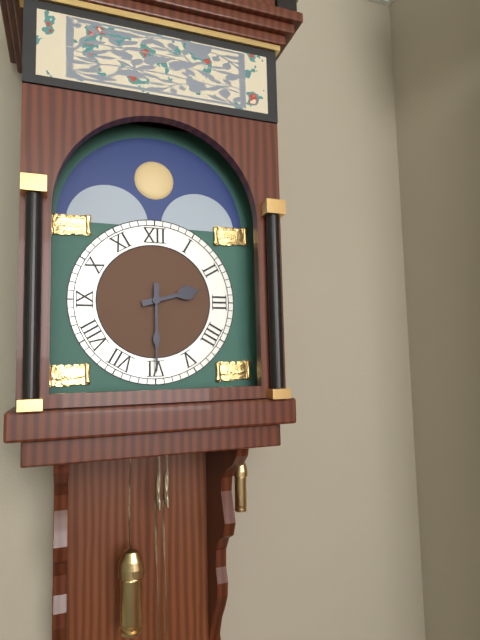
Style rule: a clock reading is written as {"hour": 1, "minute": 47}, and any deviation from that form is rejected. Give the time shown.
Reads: {"hour": 2, "minute": 30}
